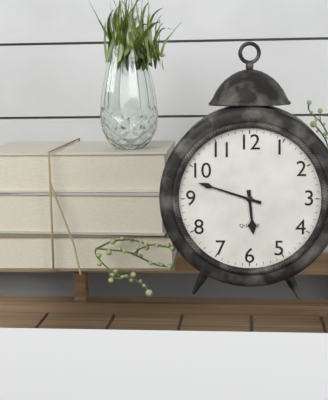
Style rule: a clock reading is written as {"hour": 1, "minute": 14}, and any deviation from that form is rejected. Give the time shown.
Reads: {"hour": 5, "minute": 48}
